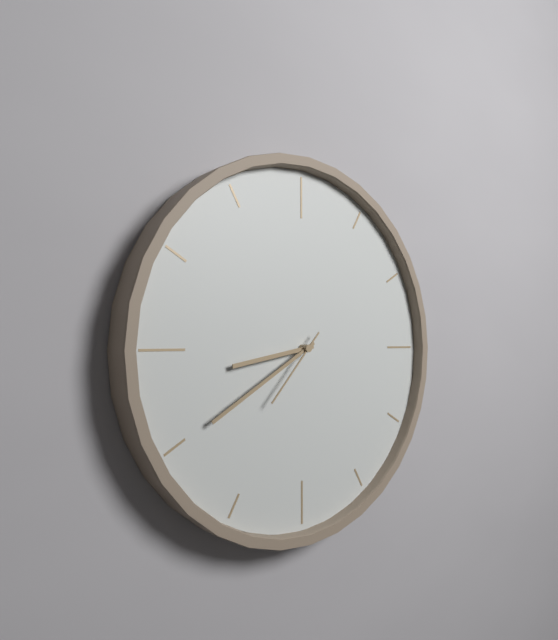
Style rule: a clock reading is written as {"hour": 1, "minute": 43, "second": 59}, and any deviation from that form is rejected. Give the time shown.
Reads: {"hour": 8, "minute": 40, "second": 37}
